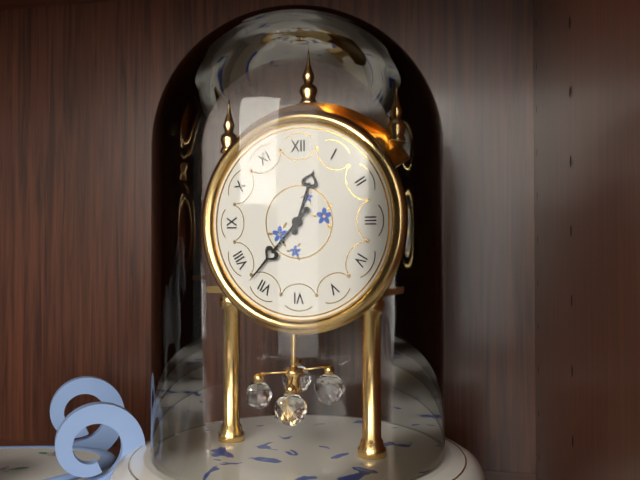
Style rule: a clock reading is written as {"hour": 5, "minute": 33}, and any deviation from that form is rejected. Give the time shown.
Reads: {"hour": 12, "minute": 37}
